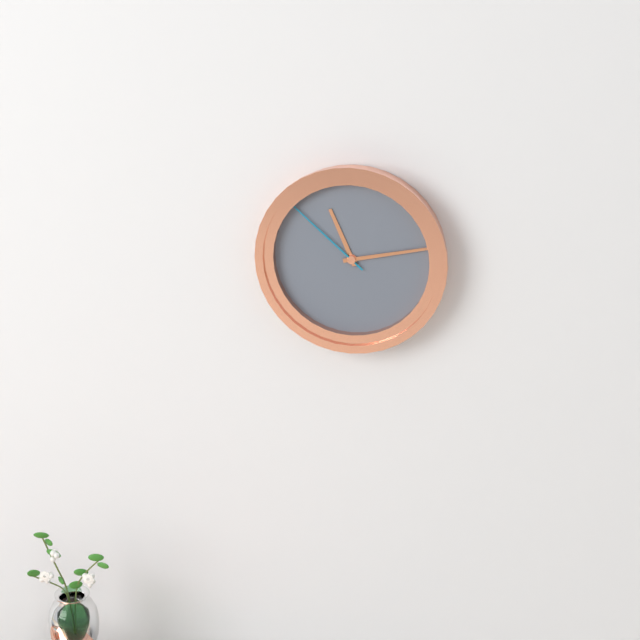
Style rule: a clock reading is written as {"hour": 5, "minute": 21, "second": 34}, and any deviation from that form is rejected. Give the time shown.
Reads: {"hour": 11, "minute": 13, "second": 52}
